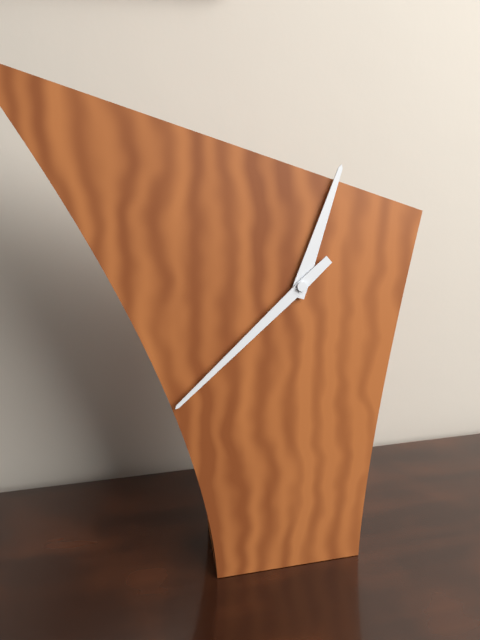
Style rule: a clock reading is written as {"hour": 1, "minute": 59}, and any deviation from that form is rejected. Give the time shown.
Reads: {"hour": 12, "minute": 38}
